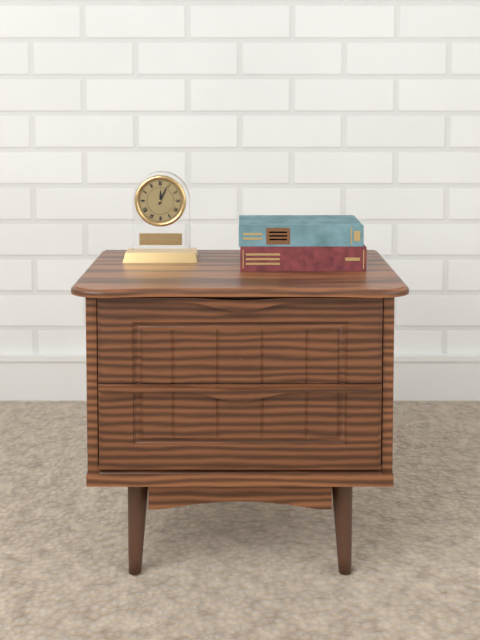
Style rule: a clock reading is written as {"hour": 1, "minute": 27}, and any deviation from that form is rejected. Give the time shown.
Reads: {"hour": 12, "minute": 4}
